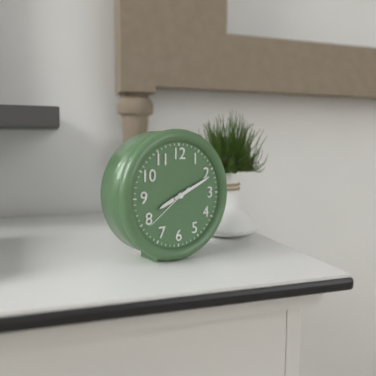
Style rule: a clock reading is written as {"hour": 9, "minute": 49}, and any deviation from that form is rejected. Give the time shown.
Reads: {"hour": 8, "minute": 11}
